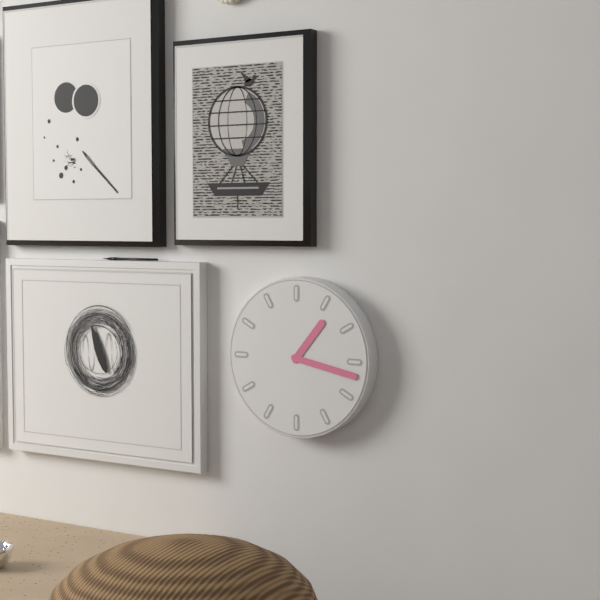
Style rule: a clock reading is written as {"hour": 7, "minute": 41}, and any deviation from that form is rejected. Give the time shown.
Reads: {"hour": 1, "minute": 17}
